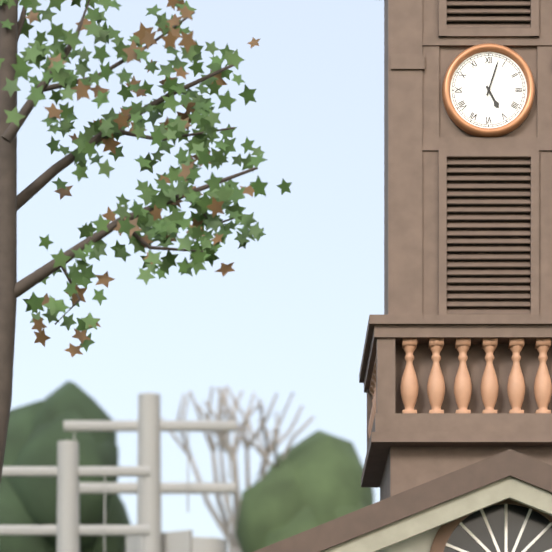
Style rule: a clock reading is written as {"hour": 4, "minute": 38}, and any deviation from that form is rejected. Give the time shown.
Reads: {"hour": 5, "minute": 3}
